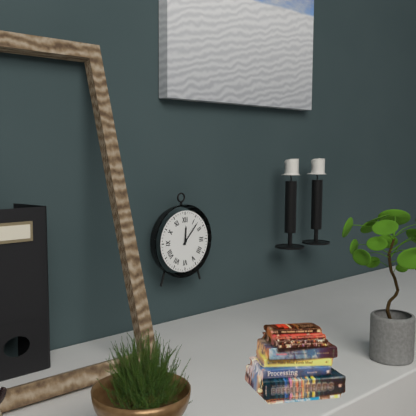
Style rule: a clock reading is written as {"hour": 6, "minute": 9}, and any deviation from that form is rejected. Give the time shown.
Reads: {"hour": 12, "minute": 7}
